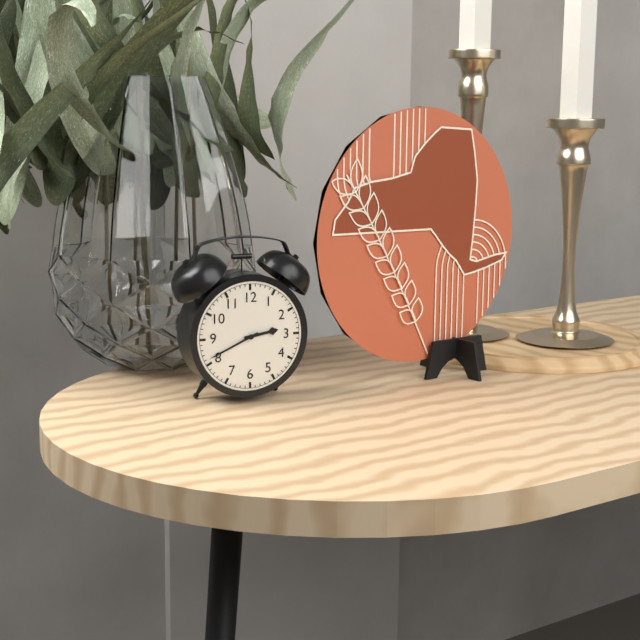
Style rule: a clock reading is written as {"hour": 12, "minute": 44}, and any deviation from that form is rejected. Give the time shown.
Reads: {"hour": 2, "minute": 41}
